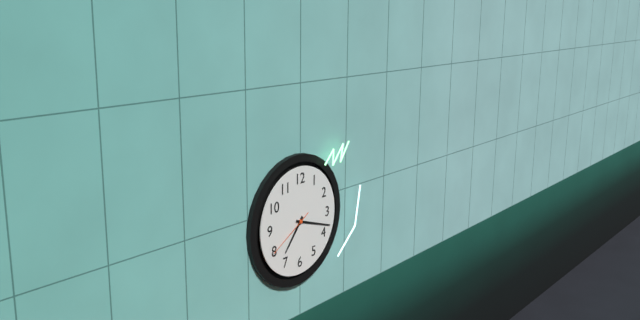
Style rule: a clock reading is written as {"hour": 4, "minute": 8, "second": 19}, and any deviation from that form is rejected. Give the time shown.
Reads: {"hour": 7, "minute": 18, "second": 40}
